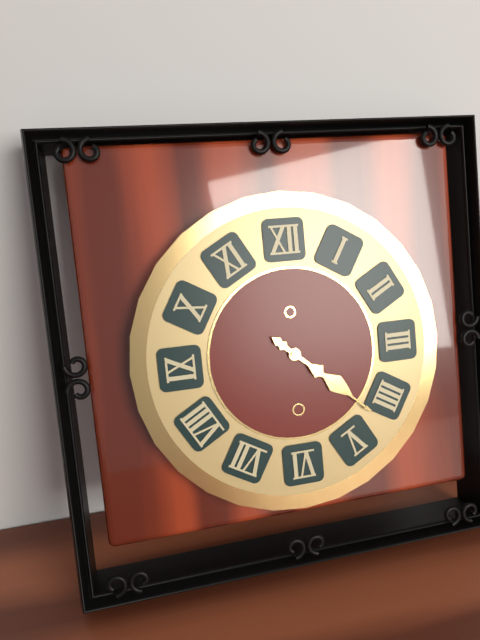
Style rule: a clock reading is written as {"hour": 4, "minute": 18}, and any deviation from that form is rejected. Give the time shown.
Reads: {"hour": 4, "minute": 22}
